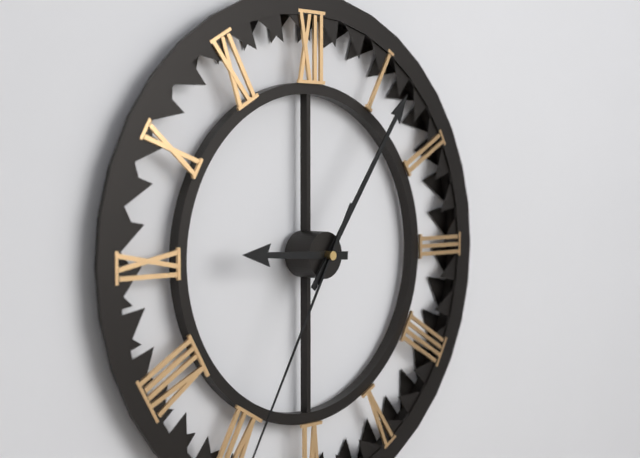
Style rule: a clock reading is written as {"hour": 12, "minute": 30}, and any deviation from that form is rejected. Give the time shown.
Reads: {"hour": 9, "minute": 6}
